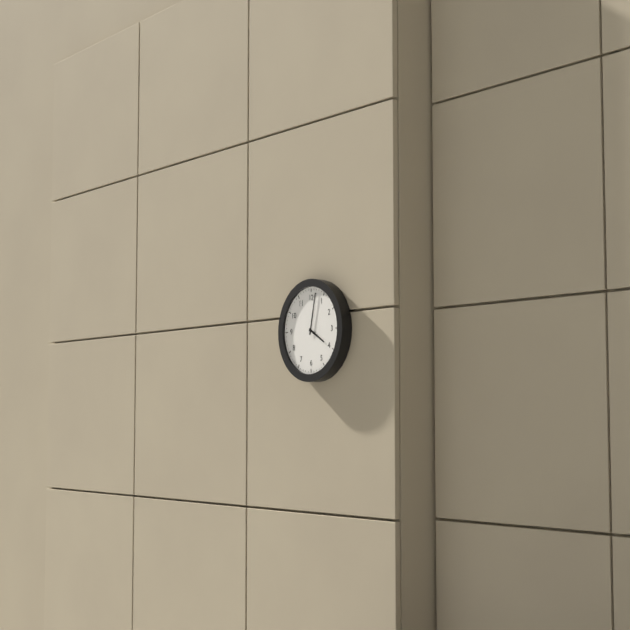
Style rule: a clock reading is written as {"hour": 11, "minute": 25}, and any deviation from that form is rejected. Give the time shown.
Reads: {"hour": 4, "minute": 2}
